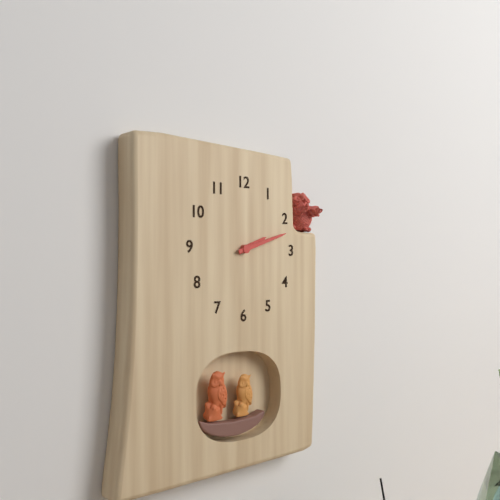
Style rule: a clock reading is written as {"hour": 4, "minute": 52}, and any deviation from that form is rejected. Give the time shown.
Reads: {"hour": 2, "minute": 12}
